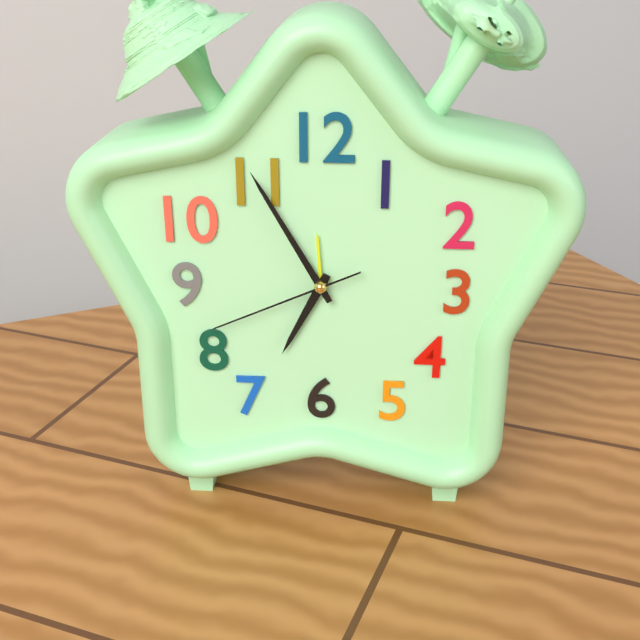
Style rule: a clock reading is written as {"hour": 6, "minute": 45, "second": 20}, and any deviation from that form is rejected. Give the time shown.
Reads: {"hour": 6, "minute": 55, "second": 41}
